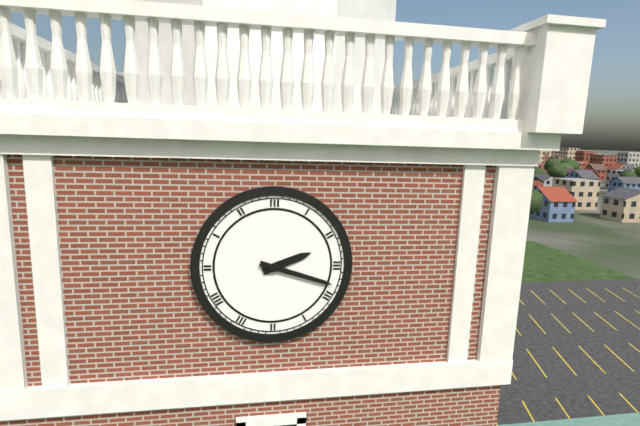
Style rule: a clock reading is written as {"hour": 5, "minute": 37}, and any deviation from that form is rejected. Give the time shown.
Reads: {"hour": 2, "minute": 18}
